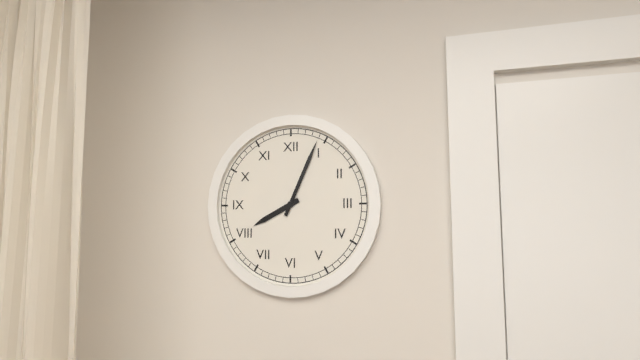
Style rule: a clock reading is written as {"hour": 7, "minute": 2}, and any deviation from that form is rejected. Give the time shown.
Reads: {"hour": 8, "minute": 4}
